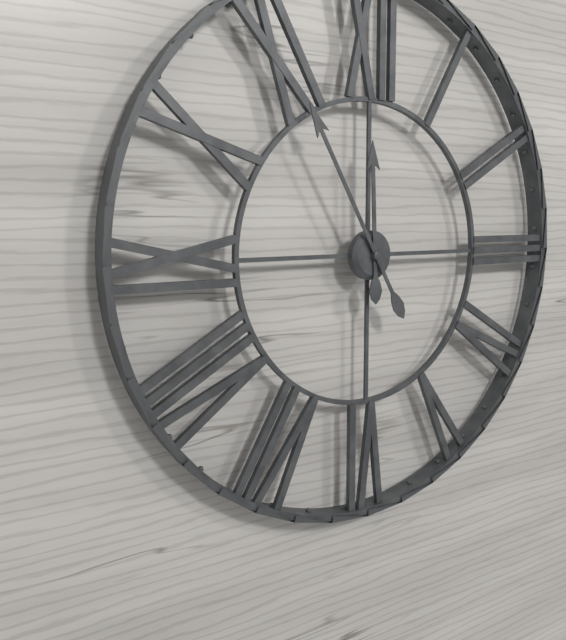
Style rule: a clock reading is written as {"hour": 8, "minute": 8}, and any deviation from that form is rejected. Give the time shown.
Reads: {"hour": 11, "minute": 55}
